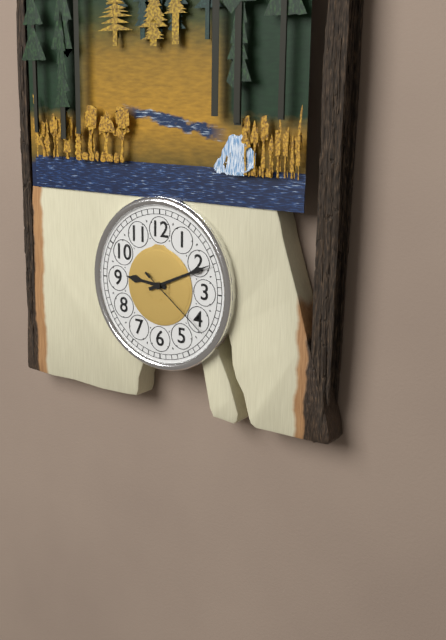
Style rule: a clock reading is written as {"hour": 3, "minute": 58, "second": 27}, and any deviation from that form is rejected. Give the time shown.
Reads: {"hour": 9, "minute": 11, "second": 21}
